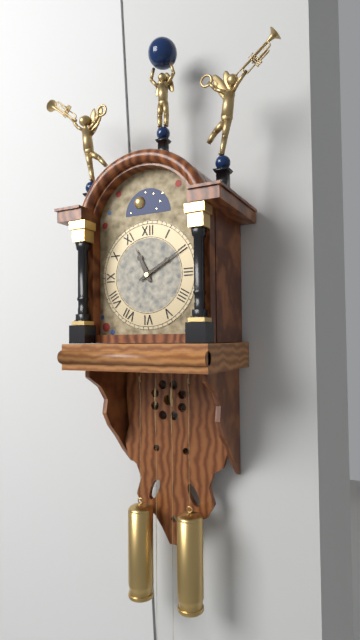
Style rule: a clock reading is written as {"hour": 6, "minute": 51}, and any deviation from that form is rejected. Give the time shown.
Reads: {"hour": 11, "minute": 10}
